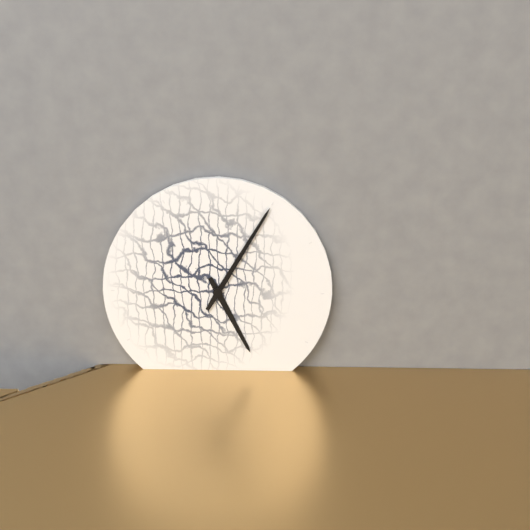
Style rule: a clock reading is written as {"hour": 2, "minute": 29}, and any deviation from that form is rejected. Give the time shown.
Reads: {"hour": 5, "minute": 5}
